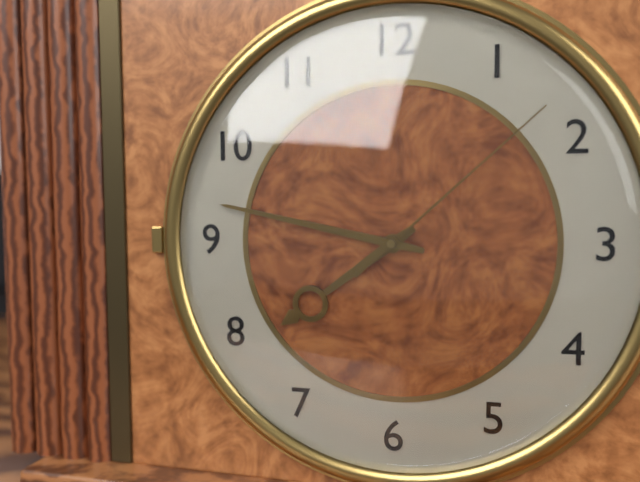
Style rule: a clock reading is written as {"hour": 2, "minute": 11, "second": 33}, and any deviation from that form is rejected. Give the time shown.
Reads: {"hour": 7, "minute": 47, "second": 8}
